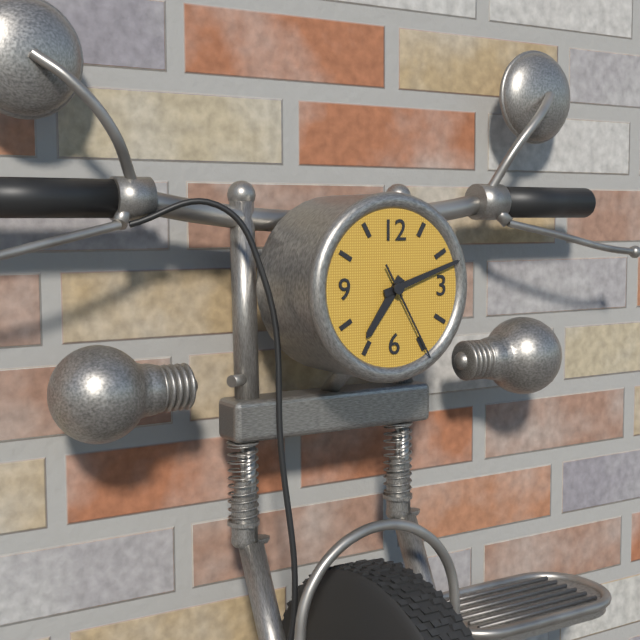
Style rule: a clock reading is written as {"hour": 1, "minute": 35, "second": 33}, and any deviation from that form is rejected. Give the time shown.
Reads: {"hour": 7, "minute": 12, "second": 25}
